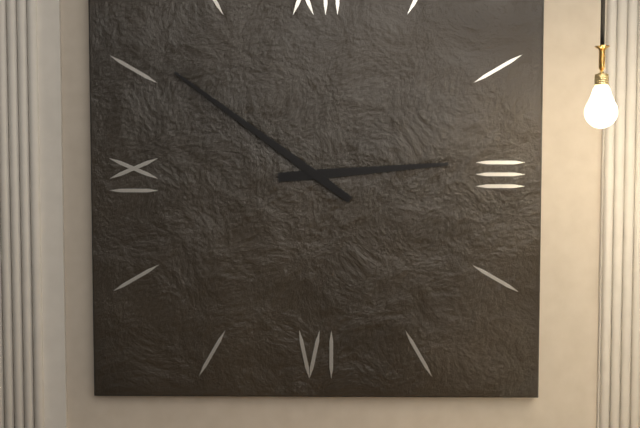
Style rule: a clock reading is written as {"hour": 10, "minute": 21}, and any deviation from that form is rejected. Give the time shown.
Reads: {"hour": 2, "minute": 51}
